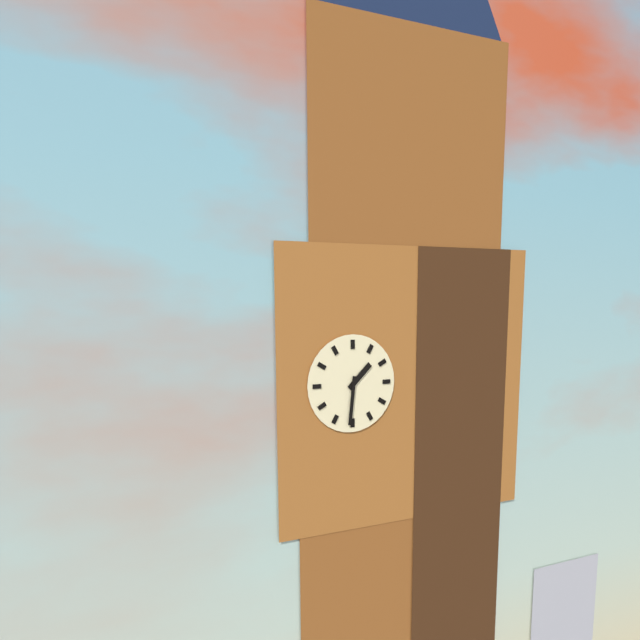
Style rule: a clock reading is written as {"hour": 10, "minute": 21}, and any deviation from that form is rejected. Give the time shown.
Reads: {"hour": 1, "minute": 31}
